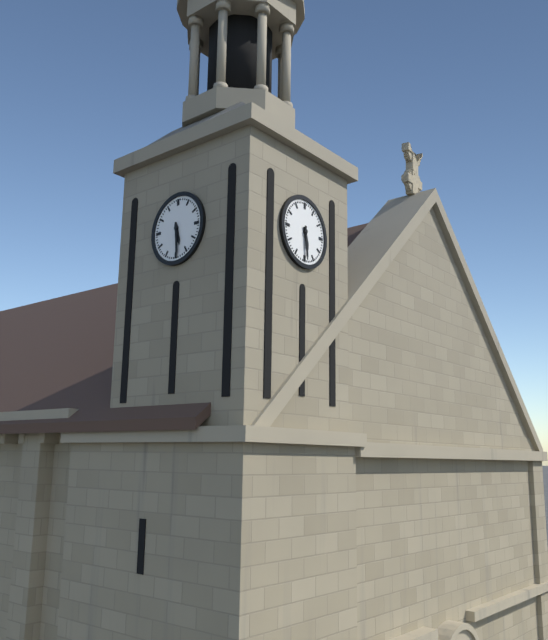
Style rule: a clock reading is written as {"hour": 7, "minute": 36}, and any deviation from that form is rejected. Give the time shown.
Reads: {"hour": 5, "minute": 29}
